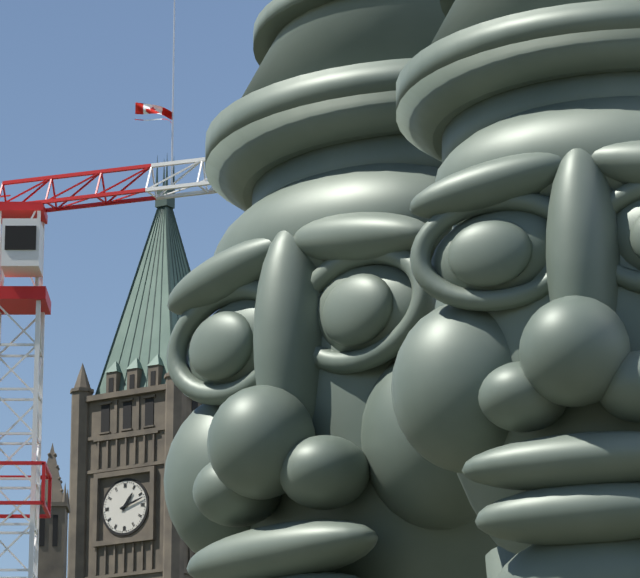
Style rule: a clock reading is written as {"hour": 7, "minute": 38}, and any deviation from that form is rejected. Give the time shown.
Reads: {"hour": 1, "minute": 12}
